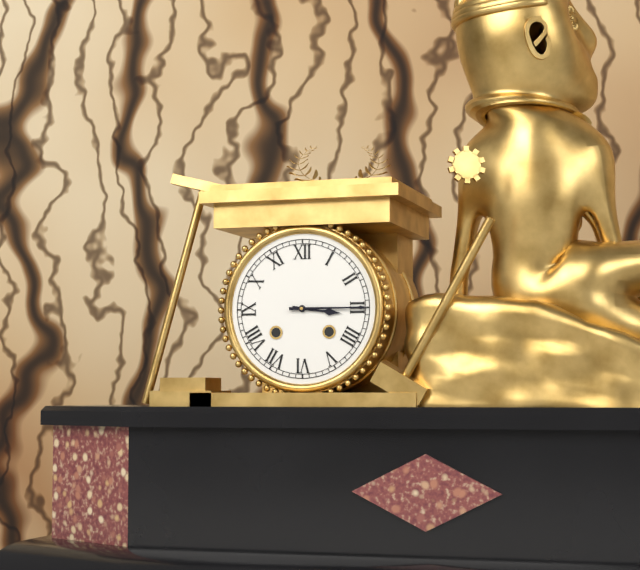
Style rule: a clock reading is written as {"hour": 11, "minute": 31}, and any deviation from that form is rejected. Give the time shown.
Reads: {"hour": 3, "minute": 15}
